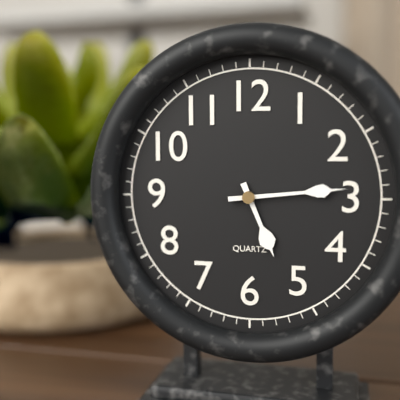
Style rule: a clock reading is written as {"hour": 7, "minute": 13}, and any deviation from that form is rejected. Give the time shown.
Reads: {"hour": 5, "minute": 14}
